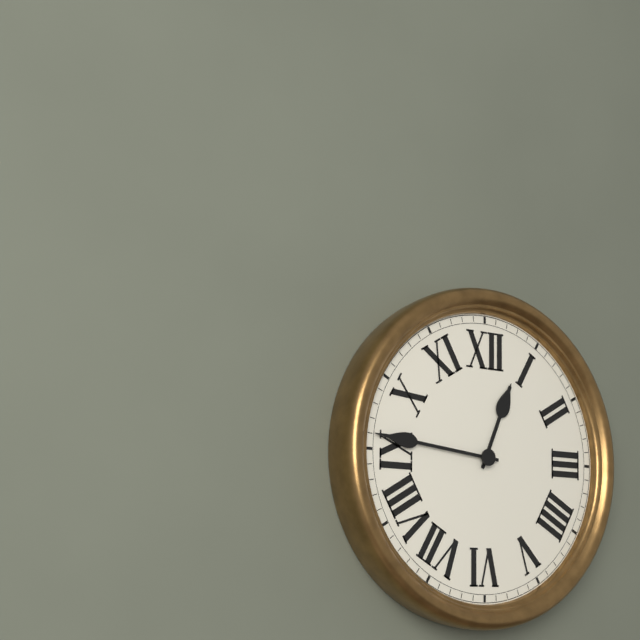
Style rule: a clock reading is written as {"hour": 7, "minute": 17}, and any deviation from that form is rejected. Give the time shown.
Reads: {"hour": 12, "minute": 46}
